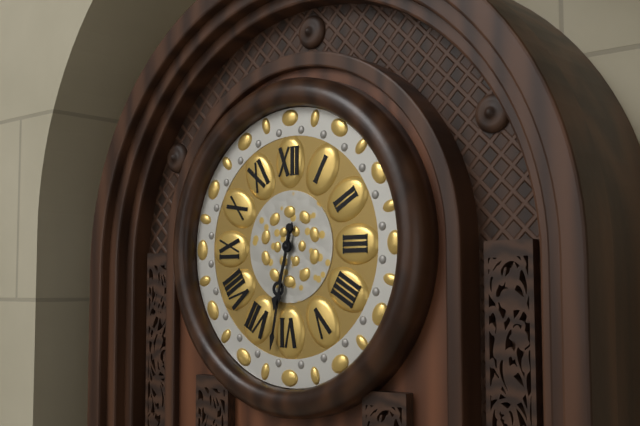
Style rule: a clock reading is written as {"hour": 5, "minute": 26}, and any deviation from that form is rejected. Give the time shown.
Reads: {"hour": 6, "minute": 32}
